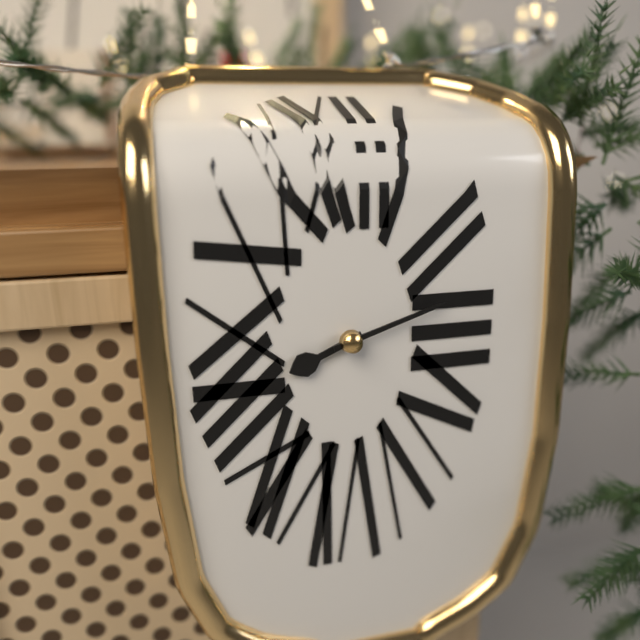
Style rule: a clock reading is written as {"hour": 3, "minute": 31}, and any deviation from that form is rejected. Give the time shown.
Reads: {"hour": 8, "minute": 12}
